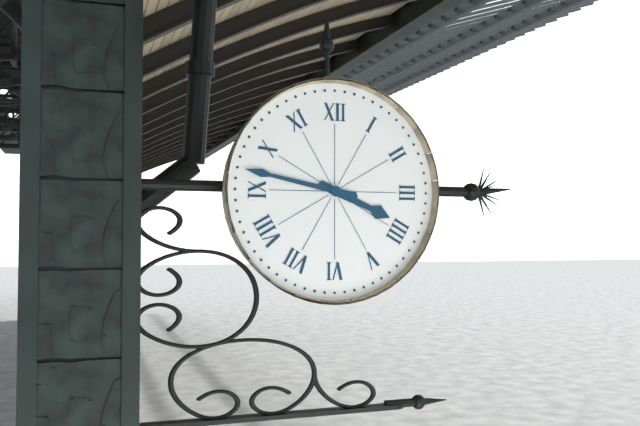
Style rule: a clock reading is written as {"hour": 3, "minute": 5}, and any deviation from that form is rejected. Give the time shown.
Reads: {"hour": 3, "minute": 47}
